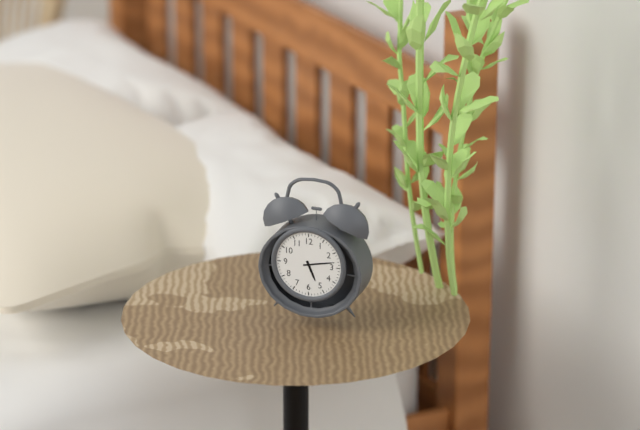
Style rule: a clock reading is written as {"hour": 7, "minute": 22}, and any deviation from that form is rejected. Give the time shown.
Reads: {"hour": 5, "minute": 13}
